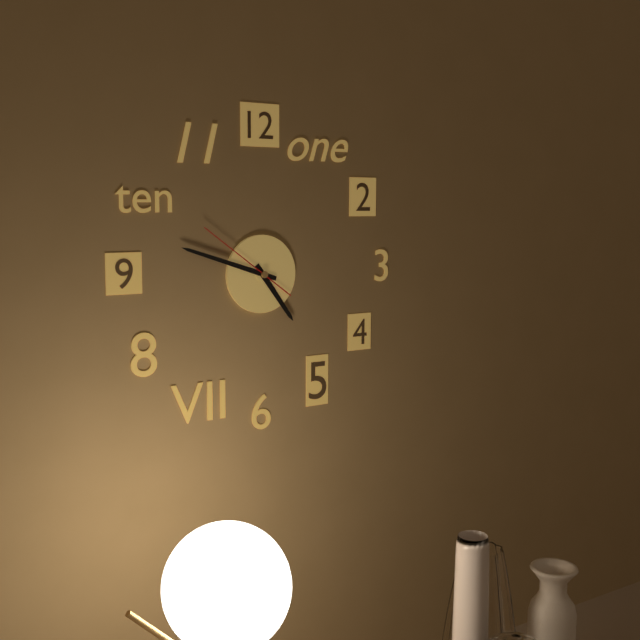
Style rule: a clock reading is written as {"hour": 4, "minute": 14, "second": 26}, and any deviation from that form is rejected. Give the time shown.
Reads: {"hour": 4, "minute": 48, "second": 51}
